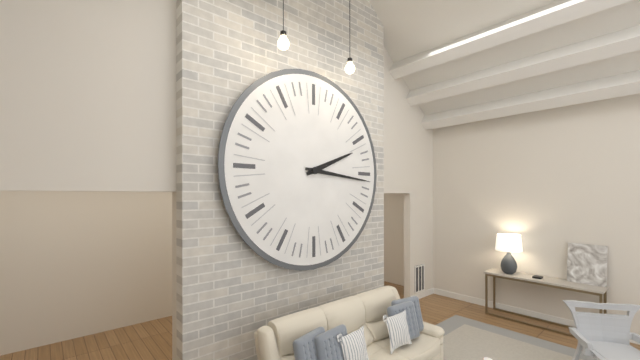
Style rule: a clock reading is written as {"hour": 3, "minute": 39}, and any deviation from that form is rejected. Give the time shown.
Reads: {"hour": 2, "minute": 16}
